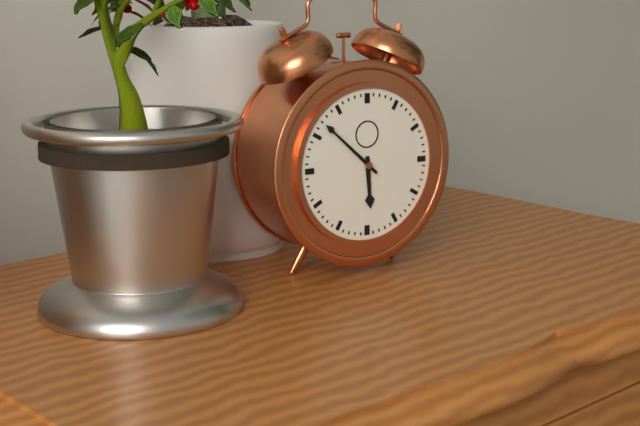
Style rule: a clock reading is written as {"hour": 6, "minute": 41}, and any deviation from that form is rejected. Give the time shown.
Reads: {"hour": 5, "minute": 52}
